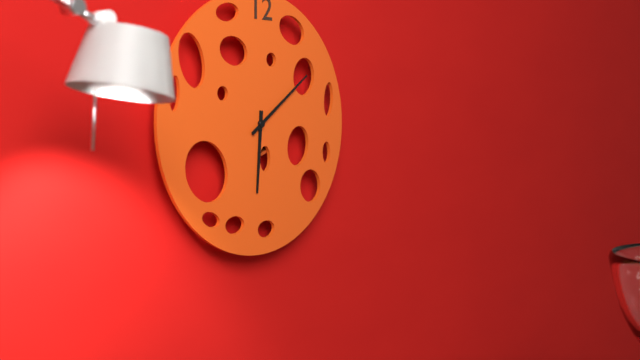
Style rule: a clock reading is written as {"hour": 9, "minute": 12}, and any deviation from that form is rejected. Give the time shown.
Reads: {"hour": 6, "minute": 9}
